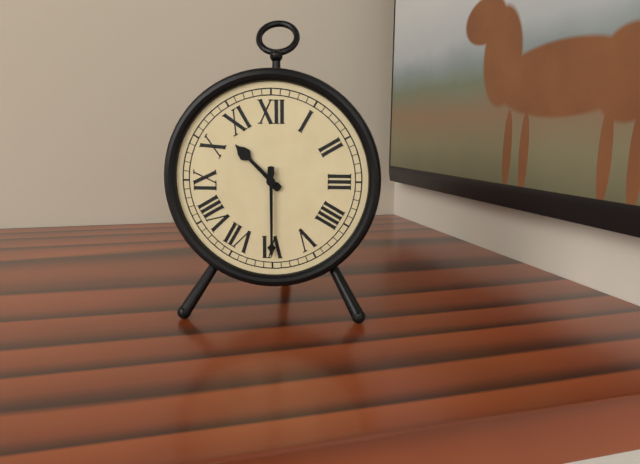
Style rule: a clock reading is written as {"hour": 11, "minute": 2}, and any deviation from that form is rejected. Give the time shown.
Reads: {"hour": 10, "minute": 30}
